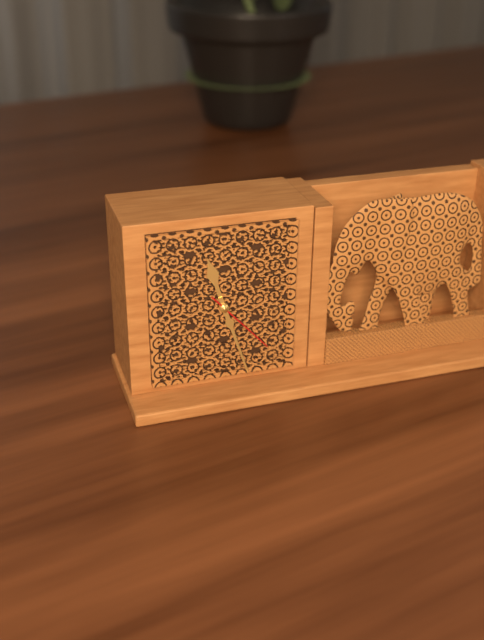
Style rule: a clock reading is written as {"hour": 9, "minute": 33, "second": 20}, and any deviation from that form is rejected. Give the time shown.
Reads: {"hour": 11, "minute": 27, "second": 23}
